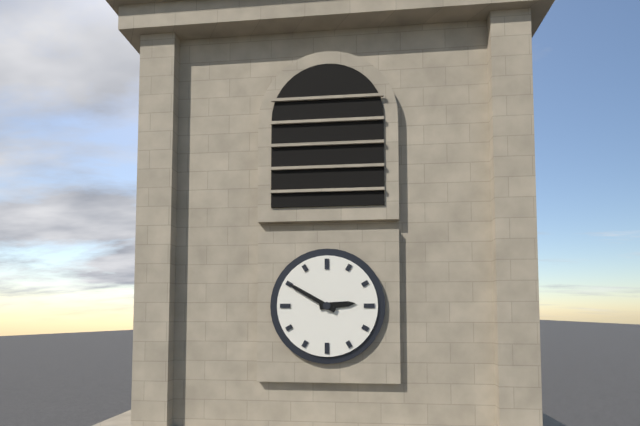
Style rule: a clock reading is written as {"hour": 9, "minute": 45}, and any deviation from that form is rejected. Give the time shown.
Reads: {"hour": 2, "minute": 50}
